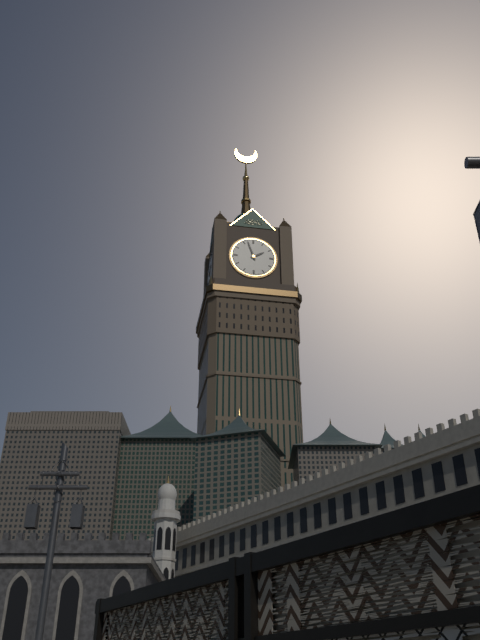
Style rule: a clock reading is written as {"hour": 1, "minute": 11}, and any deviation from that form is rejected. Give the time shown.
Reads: {"hour": 1, "minute": 57}
